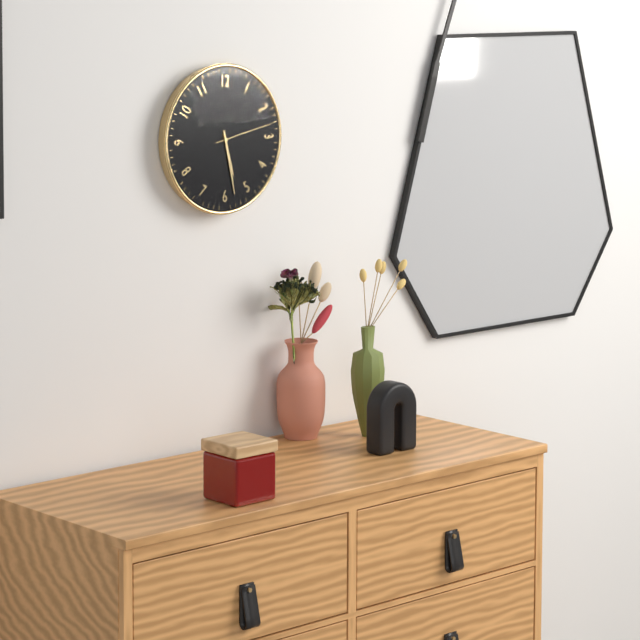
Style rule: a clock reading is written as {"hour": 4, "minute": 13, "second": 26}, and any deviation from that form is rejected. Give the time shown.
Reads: {"hour": 5, "minute": 28, "second": 13}
